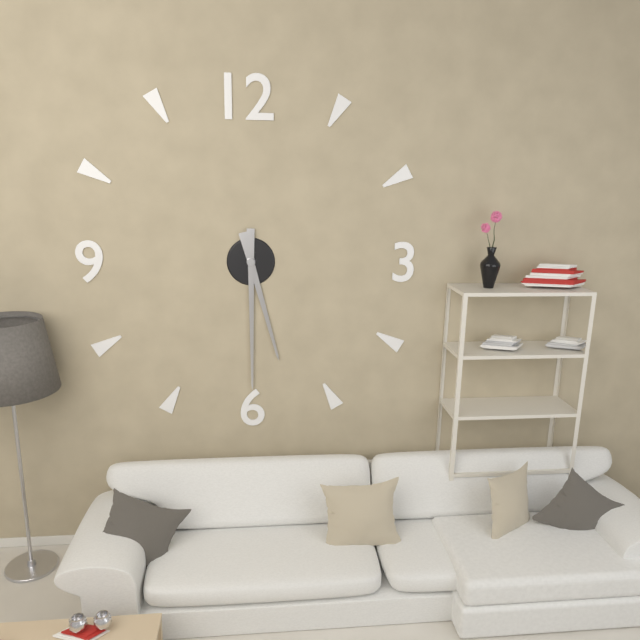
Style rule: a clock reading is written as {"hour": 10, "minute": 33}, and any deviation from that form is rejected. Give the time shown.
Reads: {"hour": 5, "minute": 30}
